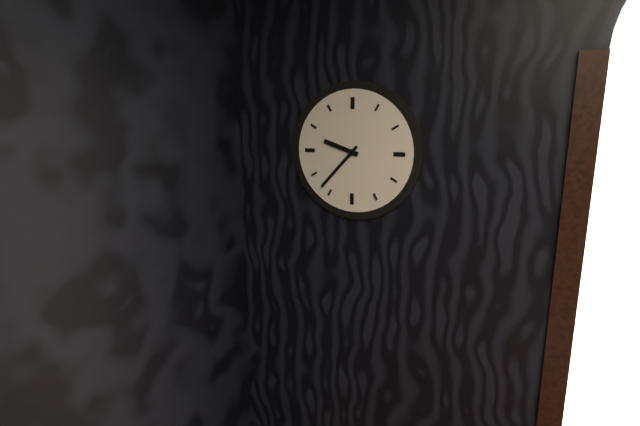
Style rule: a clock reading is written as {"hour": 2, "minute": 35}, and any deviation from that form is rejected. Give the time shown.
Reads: {"hour": 9, "minute": 37}
